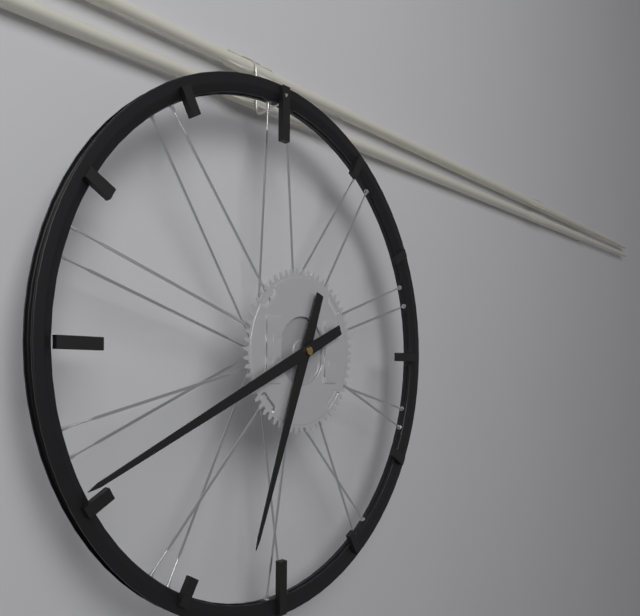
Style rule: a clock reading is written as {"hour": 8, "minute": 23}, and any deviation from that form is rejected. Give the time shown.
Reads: {"hour": 6, "minute": 41}
